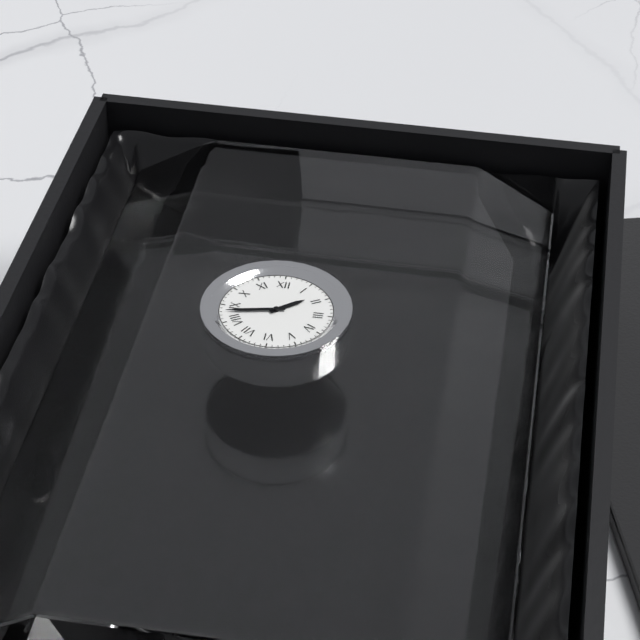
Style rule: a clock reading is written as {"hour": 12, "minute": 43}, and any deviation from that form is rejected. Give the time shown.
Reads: {"hour": 1, "minute": 43}
